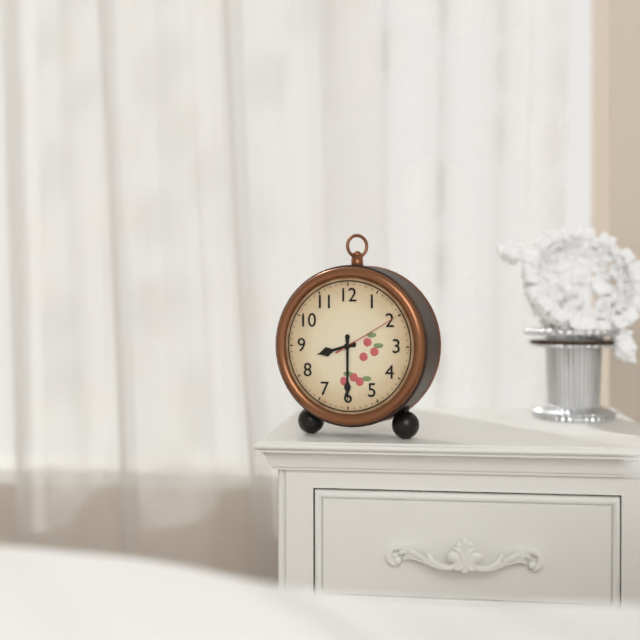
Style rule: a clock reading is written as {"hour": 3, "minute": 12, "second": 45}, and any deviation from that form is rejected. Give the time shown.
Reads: {"hour": 8, "minute": 30, "second": 10}
